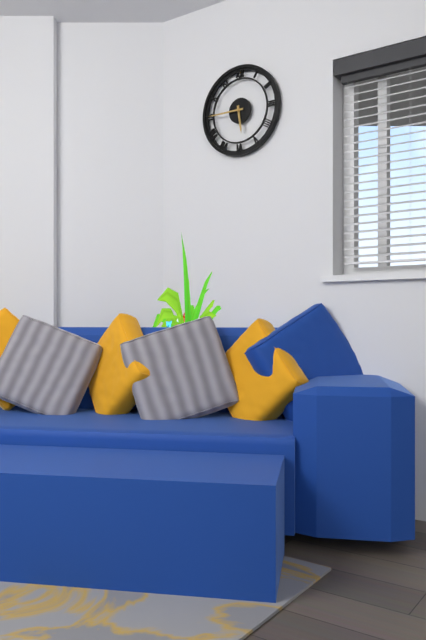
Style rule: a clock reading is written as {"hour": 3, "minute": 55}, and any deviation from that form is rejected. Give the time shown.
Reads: {"hour": 5, "minute": 45}
